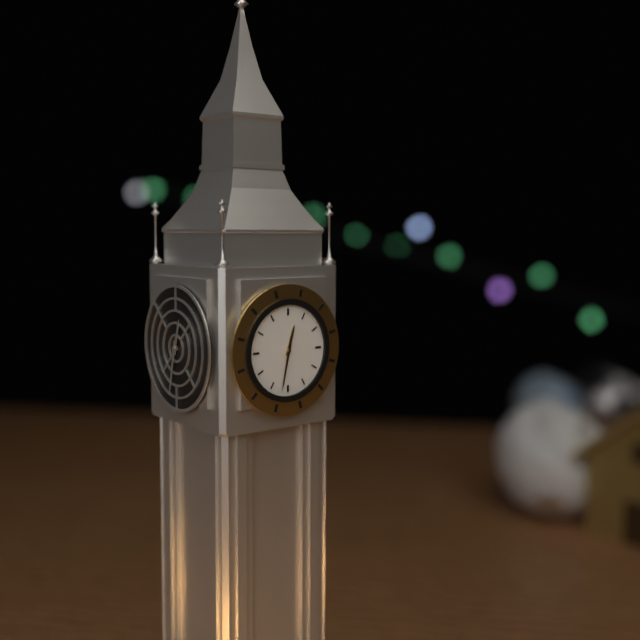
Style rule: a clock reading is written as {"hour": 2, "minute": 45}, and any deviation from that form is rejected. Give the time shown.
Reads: {"hour": 12, "minute": 32}
